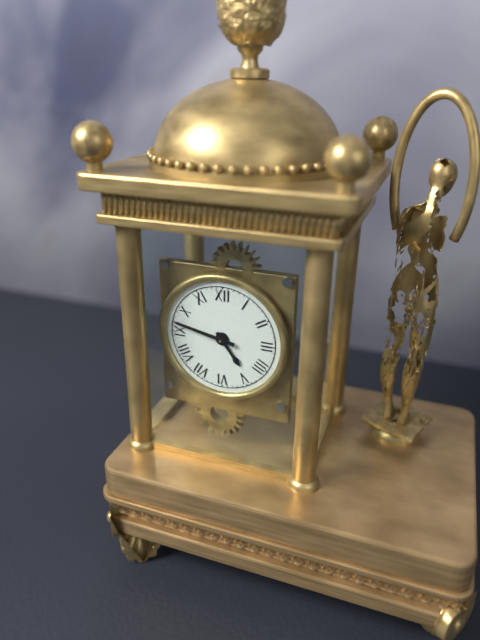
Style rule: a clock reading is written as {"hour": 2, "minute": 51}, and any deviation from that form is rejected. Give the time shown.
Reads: {"hour": 4, "minute": 47}
